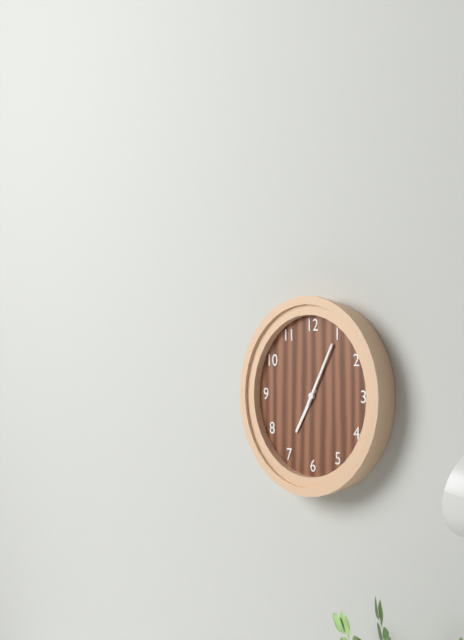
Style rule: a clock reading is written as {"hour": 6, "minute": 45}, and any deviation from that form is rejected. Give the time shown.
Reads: {"hour": 7, "minute": 5}
